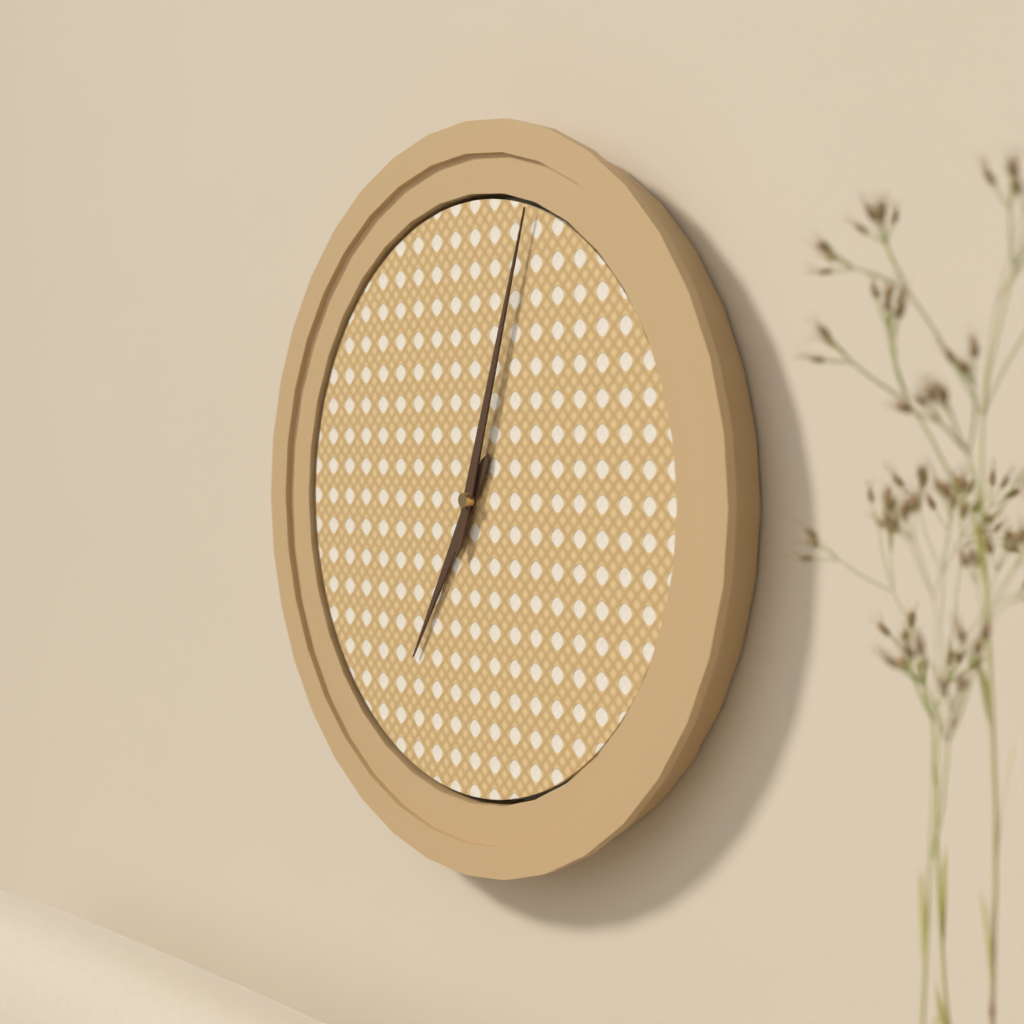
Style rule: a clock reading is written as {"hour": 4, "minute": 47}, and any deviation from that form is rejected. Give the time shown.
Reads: {"hour": 7, "minute": 3}
